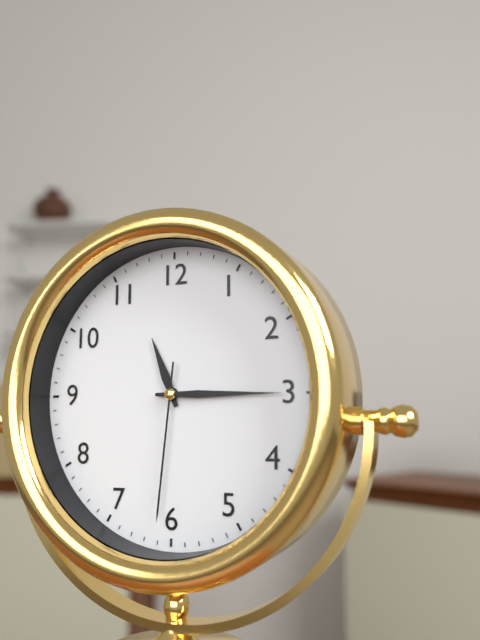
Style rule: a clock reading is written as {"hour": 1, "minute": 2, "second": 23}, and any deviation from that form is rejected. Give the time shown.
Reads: {"hour": 11, "minute": 15, "second": 31}
